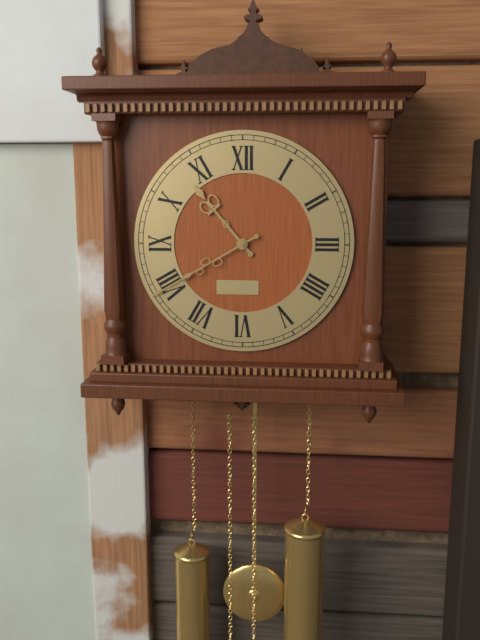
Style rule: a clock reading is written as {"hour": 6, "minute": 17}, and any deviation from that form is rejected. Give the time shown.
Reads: {"hour": 10, "minute": 40}
